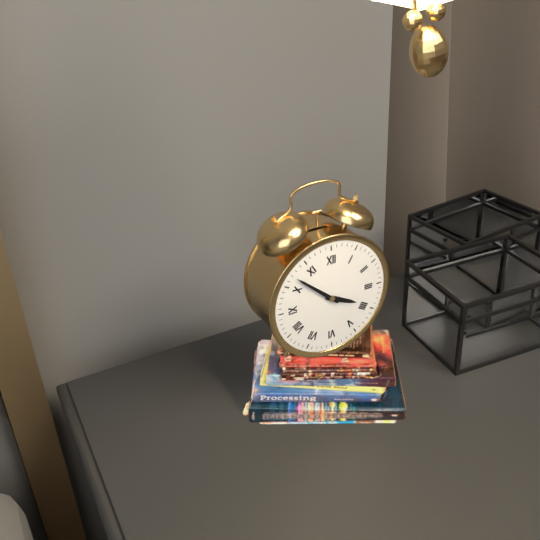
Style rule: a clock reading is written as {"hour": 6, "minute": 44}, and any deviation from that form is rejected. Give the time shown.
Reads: {"hour": 3, "minute": 52}
